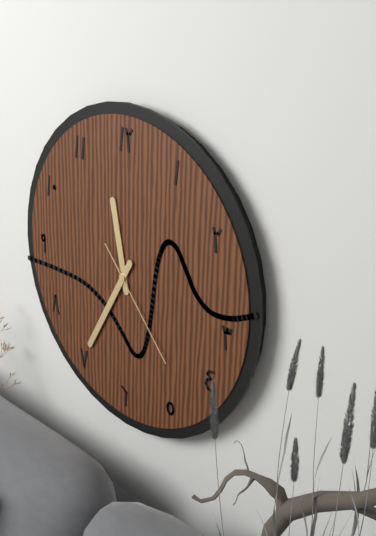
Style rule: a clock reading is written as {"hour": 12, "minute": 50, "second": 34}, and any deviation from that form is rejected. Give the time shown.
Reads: {"hour": 11, "minute": 35, "second": 23}
